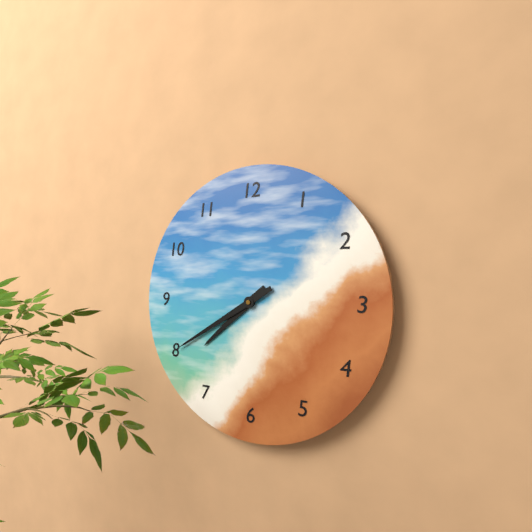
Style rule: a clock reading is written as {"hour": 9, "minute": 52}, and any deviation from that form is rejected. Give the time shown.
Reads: {"hour": 7, "minute": 40}
